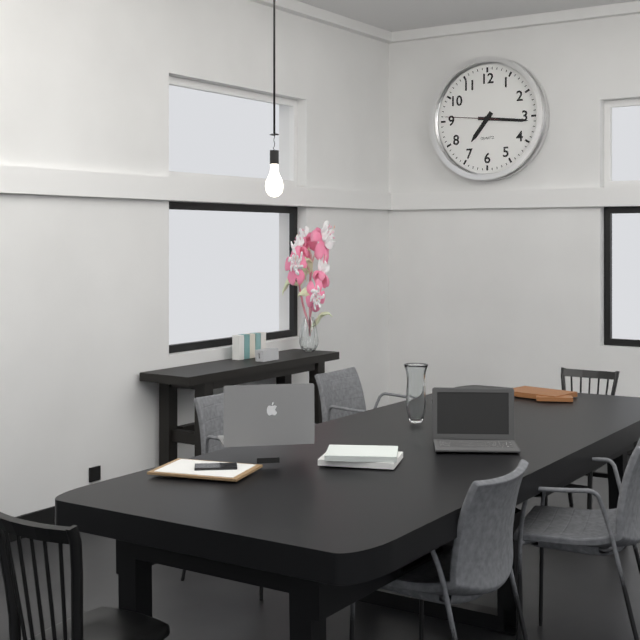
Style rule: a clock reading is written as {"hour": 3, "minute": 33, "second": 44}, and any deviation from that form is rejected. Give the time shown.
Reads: {"hour": 7, "minute": 16, "second": 46}
